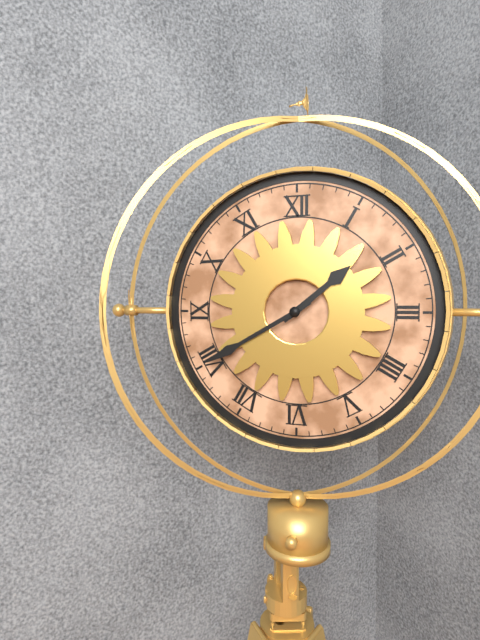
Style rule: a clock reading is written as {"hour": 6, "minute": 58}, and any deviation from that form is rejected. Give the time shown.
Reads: {"hour": 1, "minute": 40}
